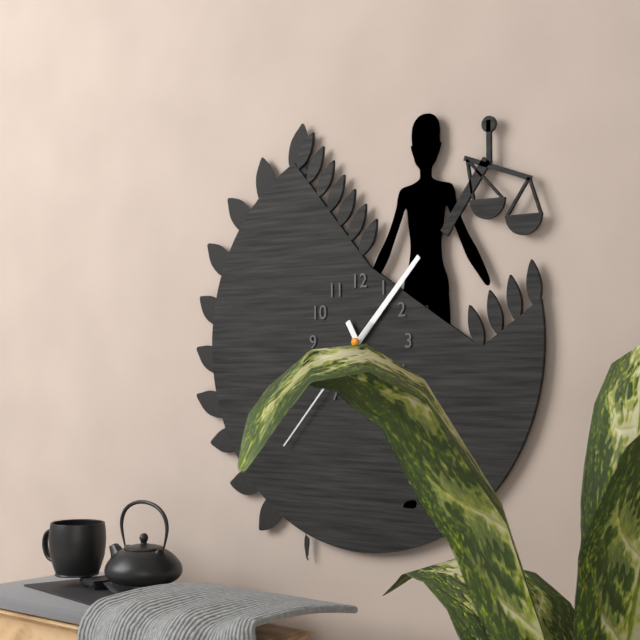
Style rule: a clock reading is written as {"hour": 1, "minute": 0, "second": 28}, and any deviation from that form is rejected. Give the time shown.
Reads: {"hour": 1, "minute": 25, "second": 37}
